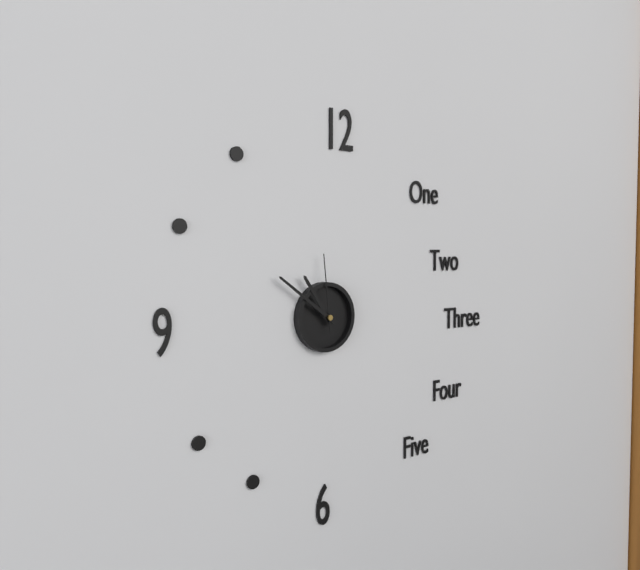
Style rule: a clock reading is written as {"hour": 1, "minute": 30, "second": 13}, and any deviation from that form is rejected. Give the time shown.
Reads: {"hour": 10, "minute": 51, "second": 59}
